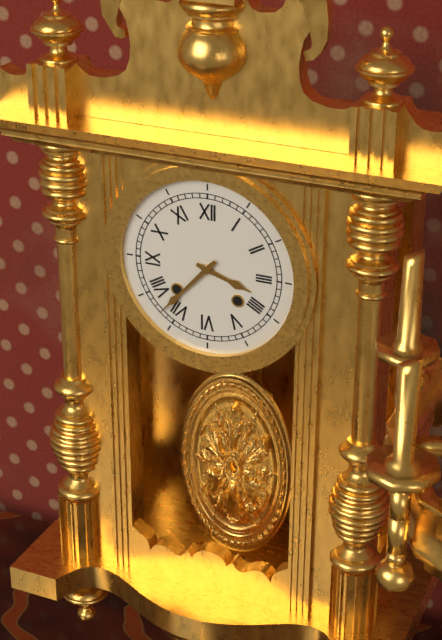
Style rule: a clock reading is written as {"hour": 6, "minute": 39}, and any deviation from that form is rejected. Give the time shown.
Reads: {"hour": 3, "minute": 37}
